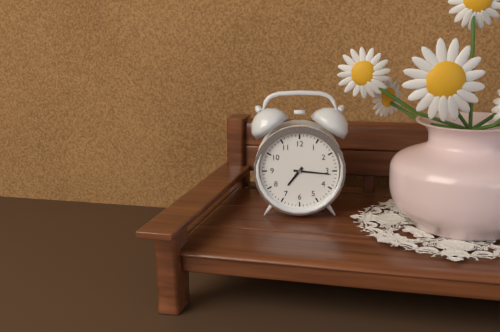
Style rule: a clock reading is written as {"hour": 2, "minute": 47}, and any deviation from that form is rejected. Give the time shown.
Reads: {"hour": 7, "minute": 16}
